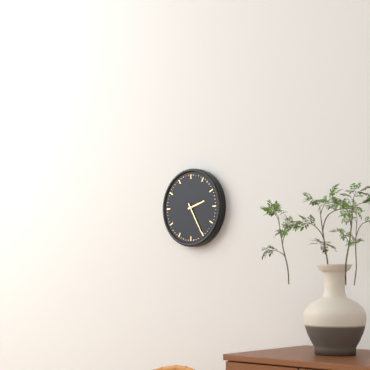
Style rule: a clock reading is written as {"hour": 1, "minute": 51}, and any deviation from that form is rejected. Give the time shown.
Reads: {"hour": 2, "minute": 25}
